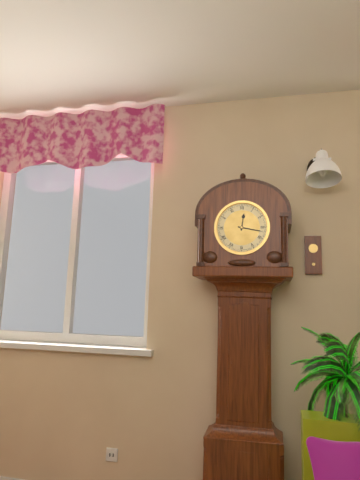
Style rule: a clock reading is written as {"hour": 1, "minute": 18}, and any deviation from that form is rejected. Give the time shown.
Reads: {"hour": 12, "minute": 17}
